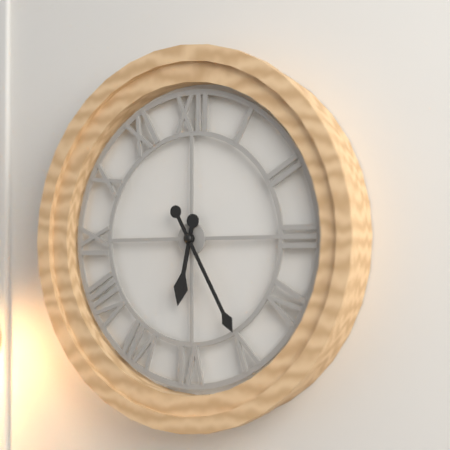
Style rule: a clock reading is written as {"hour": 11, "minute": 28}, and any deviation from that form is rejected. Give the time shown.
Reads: {"hour": 6, "minute": 25}
